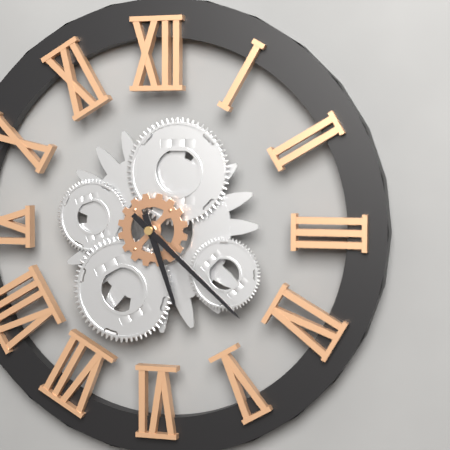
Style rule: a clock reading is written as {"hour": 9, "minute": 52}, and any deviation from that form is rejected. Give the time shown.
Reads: {"hour": 5, "minute": 22}
